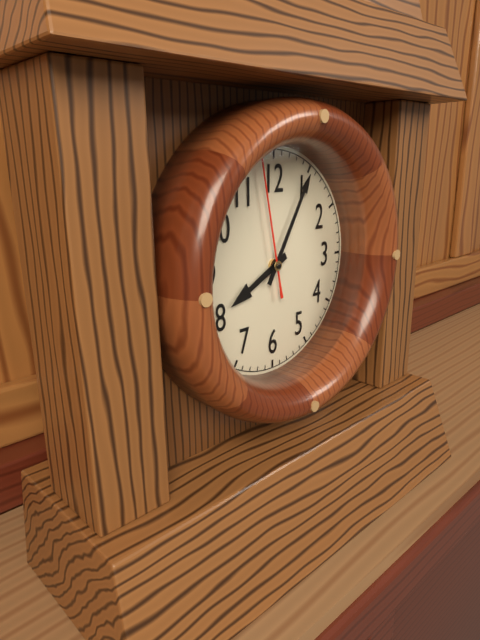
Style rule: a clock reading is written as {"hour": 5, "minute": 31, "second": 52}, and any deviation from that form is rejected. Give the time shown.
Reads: {"hour": 8, "minute": 5, "second": 58}
